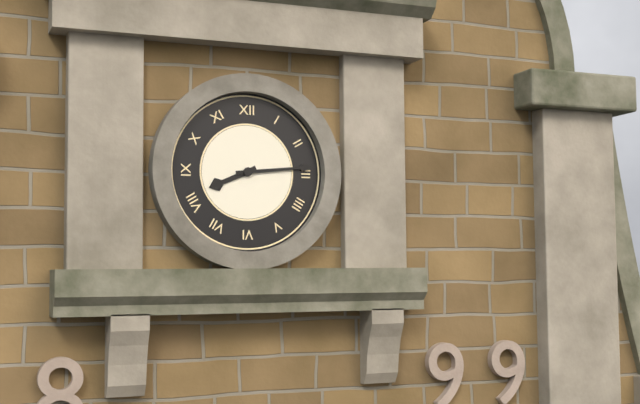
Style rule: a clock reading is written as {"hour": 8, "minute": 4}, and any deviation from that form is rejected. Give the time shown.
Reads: {"hour": 8, "minute": 14}
